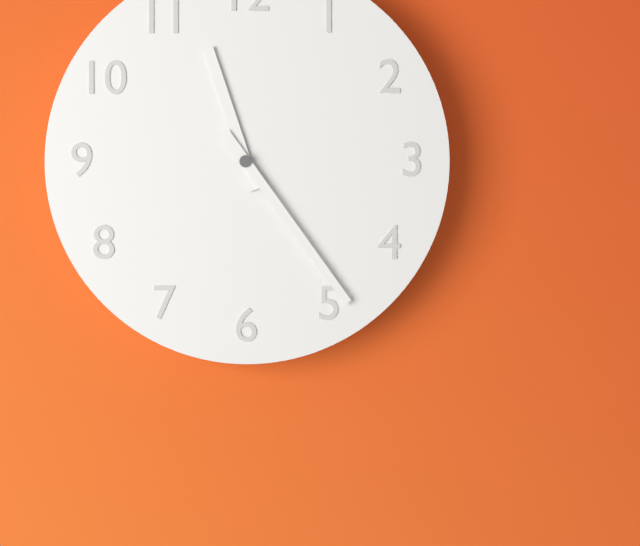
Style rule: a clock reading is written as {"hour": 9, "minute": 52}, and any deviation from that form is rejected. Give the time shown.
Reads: {"hour": 11, "minute": 24}
